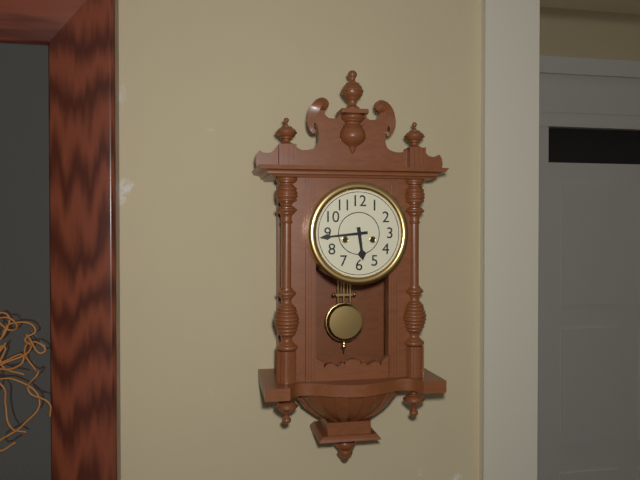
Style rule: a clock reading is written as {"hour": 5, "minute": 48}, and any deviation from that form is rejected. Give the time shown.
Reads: {"hour": 5, "minute": 44}
